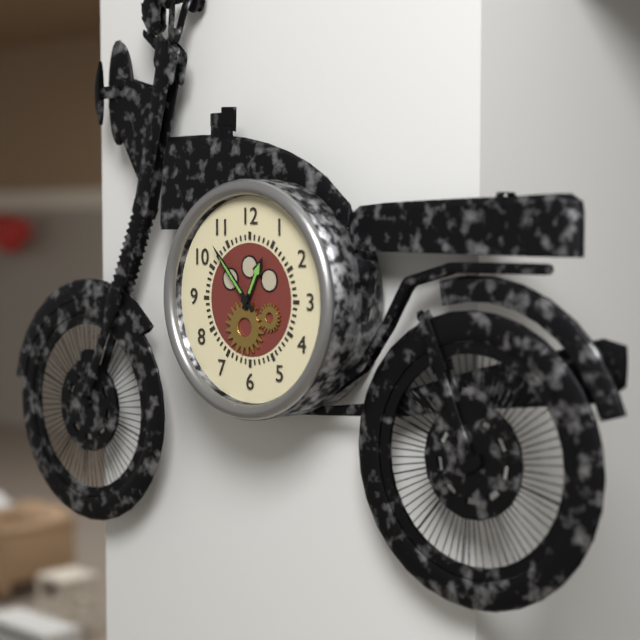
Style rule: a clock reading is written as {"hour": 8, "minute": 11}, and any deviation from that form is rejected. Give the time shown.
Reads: {"hour": 12, "minute": 53}
